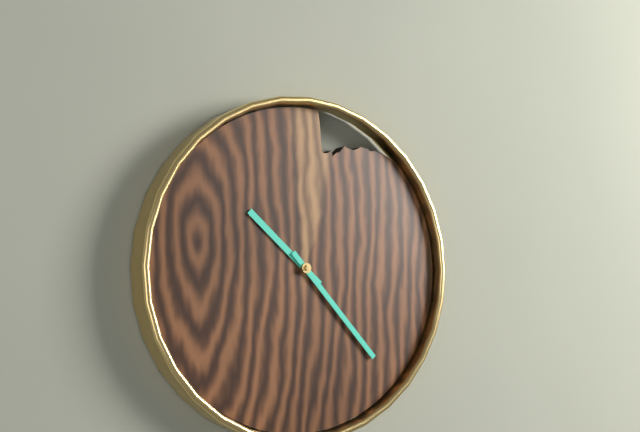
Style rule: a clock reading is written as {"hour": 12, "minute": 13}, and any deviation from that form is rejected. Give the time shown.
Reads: {"hour": 10, "minute": 23}
